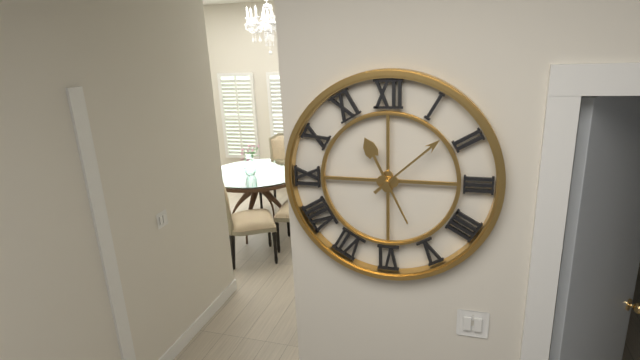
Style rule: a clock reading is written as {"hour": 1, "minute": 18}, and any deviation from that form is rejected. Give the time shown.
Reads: {"hour": 11, "minute": 8}
